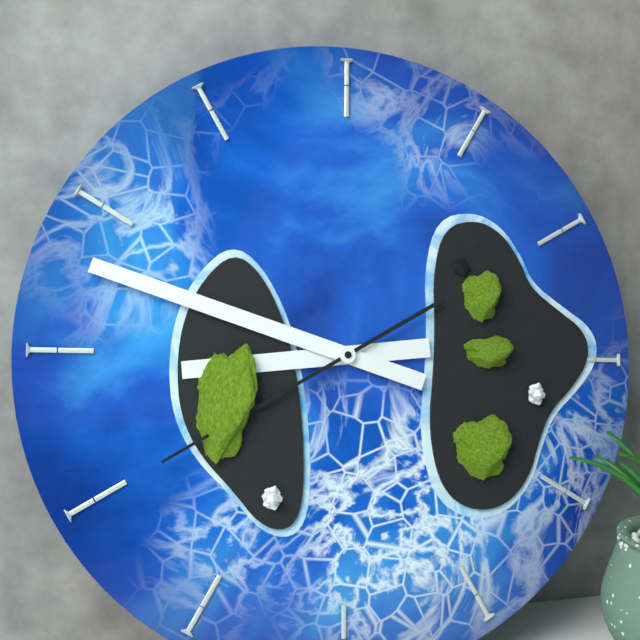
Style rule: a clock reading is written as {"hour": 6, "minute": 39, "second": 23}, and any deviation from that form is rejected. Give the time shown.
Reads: {"hour": 8, "minute": 48, "second": 40}
